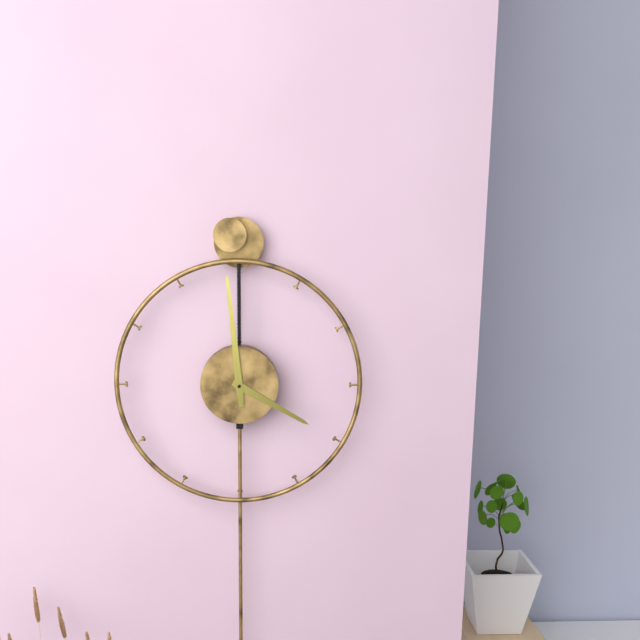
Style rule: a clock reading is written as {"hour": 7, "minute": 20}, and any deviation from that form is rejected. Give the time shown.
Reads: {"hour": 3, "minute": 59}
